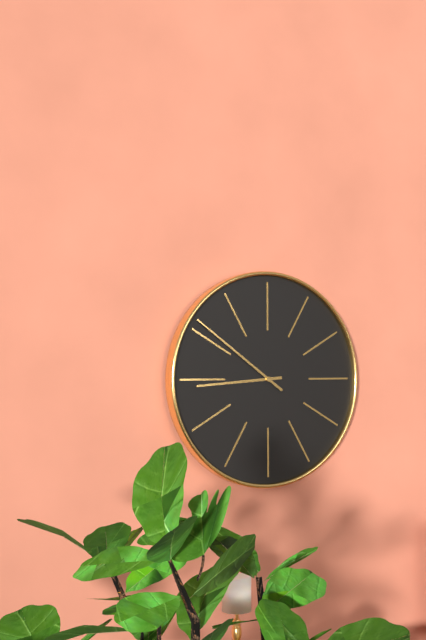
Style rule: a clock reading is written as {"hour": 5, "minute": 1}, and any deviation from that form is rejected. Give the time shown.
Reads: {"hour": 8, "minute": 51}
